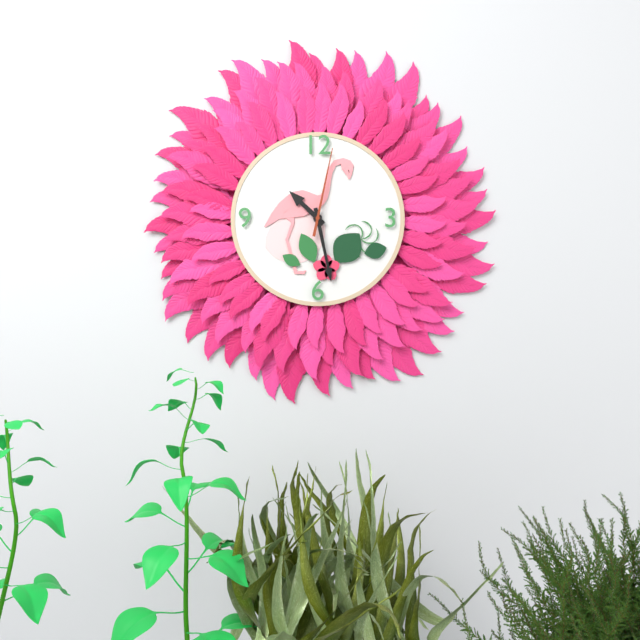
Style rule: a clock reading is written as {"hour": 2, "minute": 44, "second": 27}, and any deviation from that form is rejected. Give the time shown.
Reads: {"hour": 10, "minute": 28, "second": 2}
